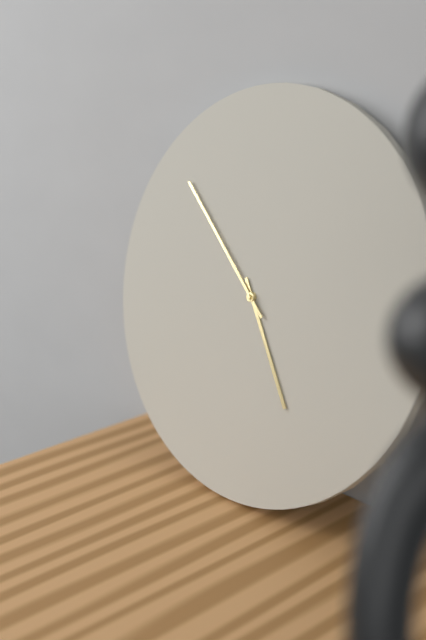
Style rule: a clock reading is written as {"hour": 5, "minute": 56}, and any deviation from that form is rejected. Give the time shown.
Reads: {"hour": 4, "minute": 52}
